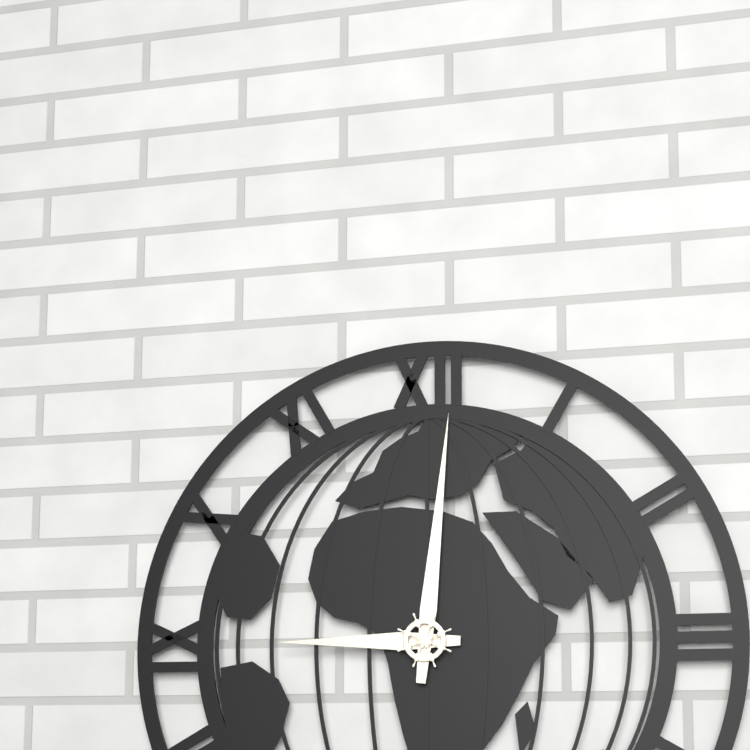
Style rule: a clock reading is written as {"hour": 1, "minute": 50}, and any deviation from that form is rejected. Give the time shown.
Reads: {"hour": 9, "minute": 1}
